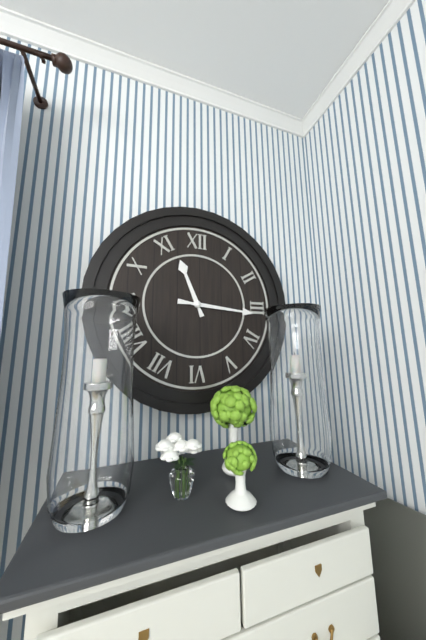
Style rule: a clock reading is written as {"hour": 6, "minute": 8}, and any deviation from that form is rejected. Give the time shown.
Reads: {"hour": 11, "minute": 16}
